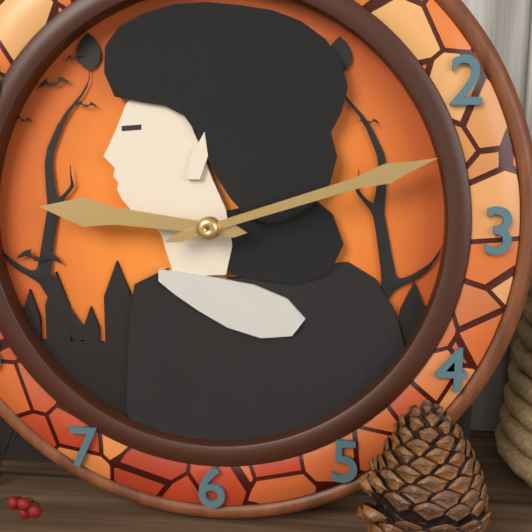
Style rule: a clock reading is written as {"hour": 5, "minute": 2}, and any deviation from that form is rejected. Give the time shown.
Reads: {"hour": 9, "minute": 12}
